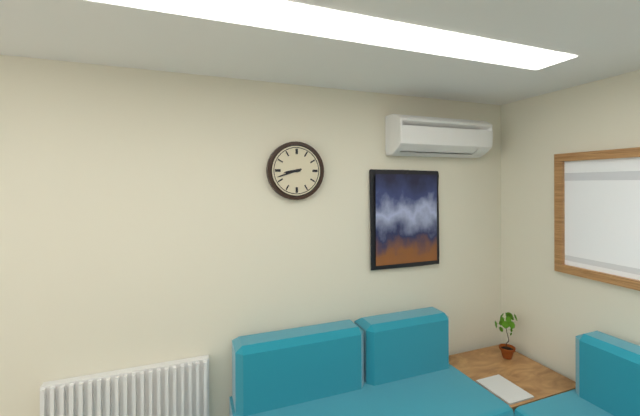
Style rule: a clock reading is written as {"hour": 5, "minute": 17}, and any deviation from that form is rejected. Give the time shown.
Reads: {"hour": 8, "minute": 42}
